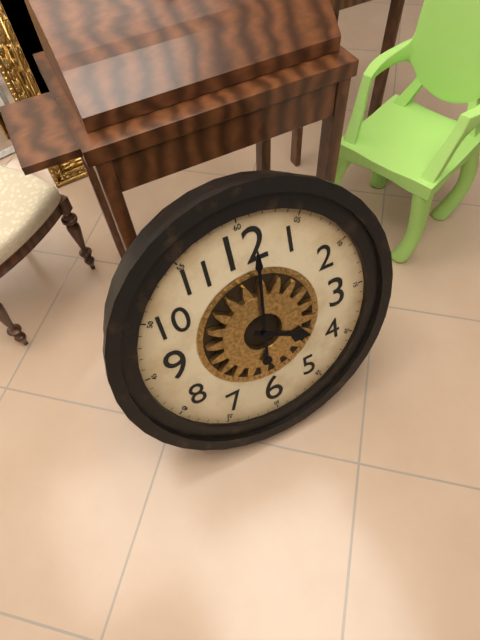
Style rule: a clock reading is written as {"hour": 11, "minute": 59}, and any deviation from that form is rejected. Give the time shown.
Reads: {"hour": 4, "minute": 1}
